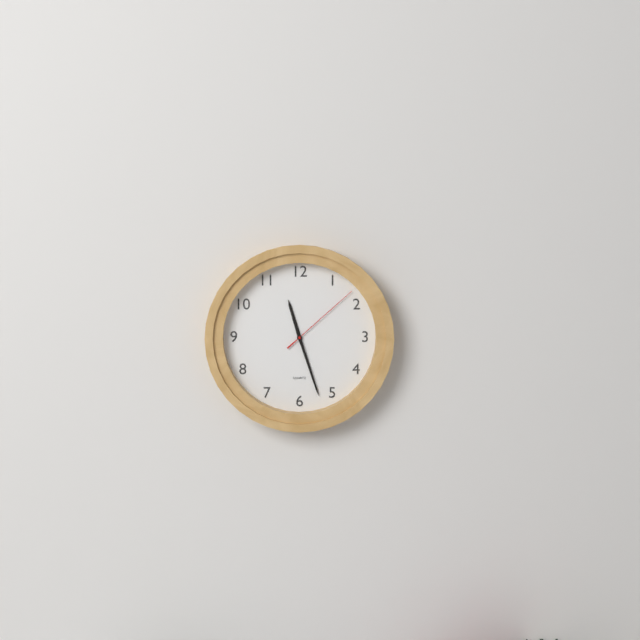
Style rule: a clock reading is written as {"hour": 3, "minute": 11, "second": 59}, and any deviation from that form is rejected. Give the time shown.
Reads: {"hour": 11, "minute": 27, "second": 8}
